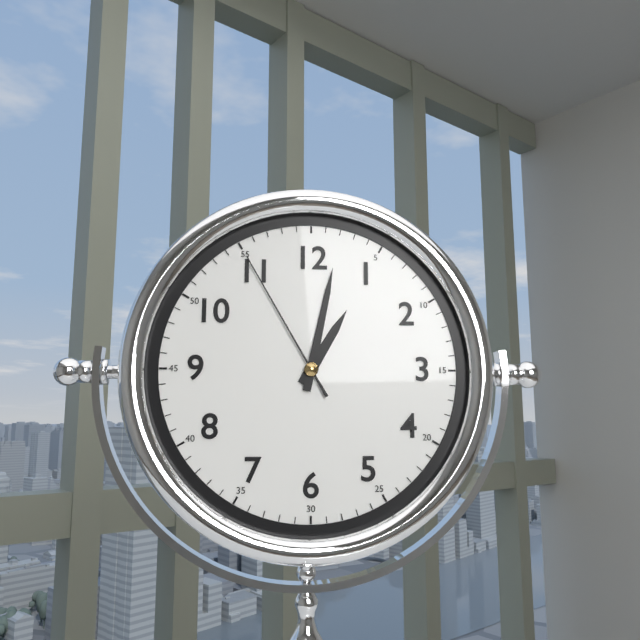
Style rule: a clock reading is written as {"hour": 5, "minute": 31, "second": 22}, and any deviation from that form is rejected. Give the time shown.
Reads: {"hour": 1, "minute": 2, "second": 55}
